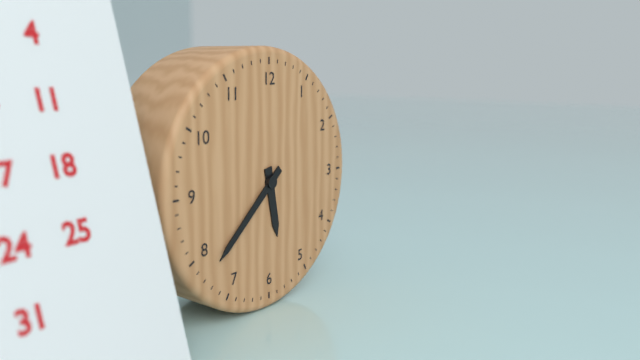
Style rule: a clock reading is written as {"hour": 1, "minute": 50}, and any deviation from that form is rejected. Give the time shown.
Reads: {"hour": 5, "minute": 38}
